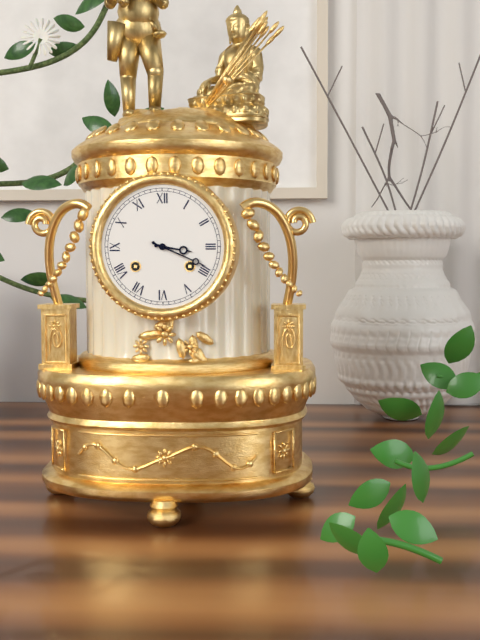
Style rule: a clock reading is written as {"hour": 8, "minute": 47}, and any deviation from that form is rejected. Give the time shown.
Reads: {"hour": 3, "minute": 19}
